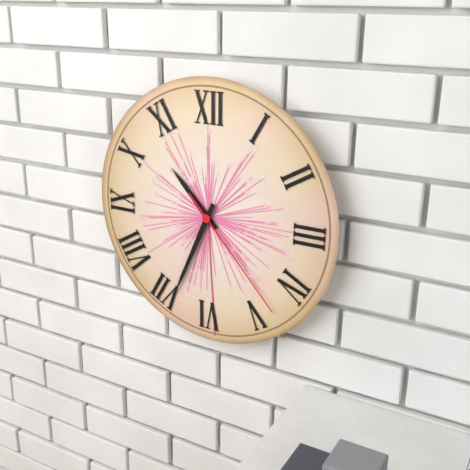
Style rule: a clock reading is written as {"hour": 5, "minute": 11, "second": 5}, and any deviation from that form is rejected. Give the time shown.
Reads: {"hour": 10, "minute": 34, "second": 23}
